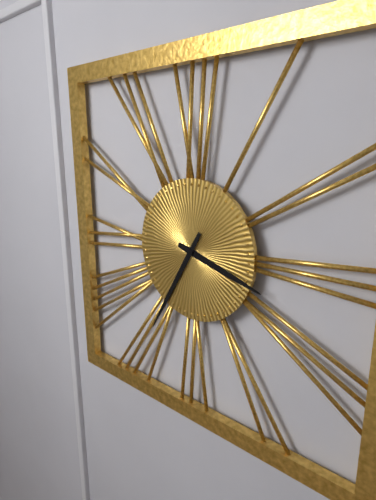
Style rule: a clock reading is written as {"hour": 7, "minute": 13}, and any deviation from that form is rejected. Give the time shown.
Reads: {"hour": 3, "minute": 35}
